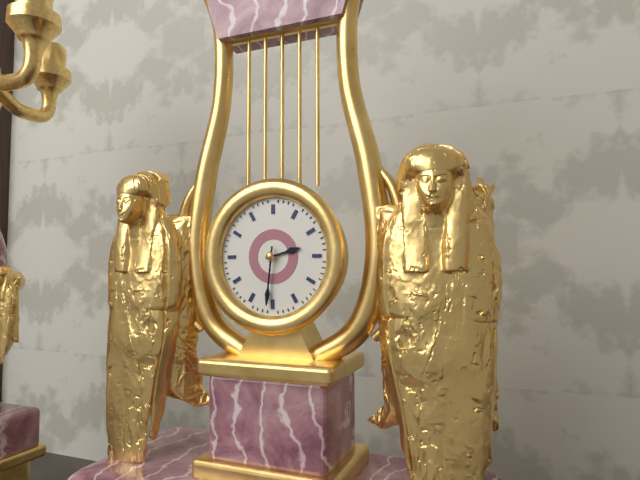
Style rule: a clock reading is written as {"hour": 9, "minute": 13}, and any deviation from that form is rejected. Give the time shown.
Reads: {"hour": 2, "minute": 31}
